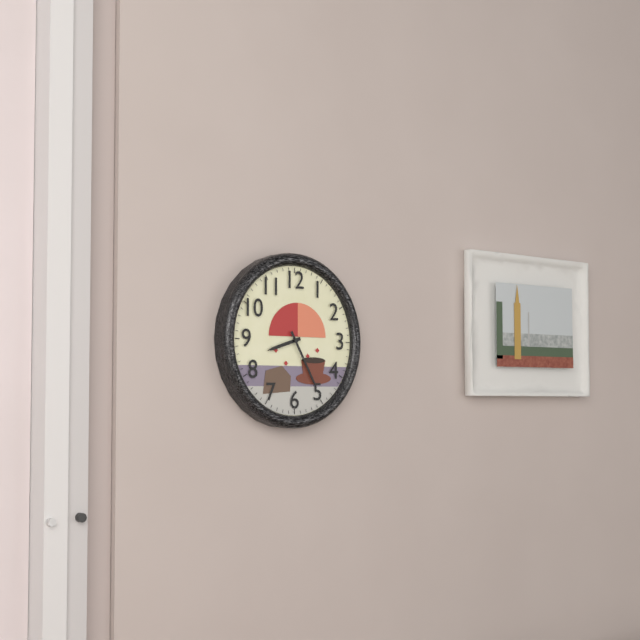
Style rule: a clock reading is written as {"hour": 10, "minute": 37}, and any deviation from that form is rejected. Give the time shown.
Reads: {"hour": 8, "minute": 25}
